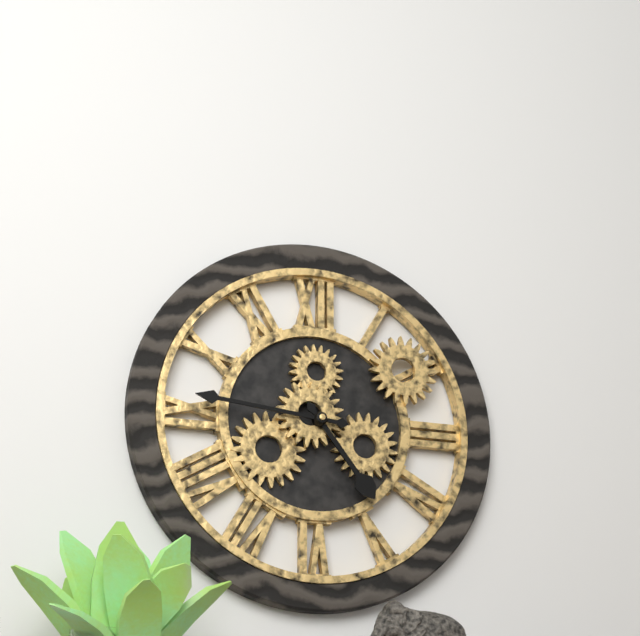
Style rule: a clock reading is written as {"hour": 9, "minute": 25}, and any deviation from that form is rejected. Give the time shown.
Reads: {"hour": 4, "minute": 46}
